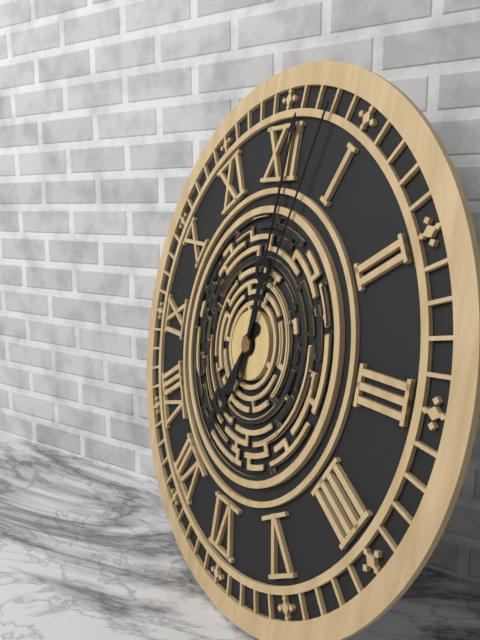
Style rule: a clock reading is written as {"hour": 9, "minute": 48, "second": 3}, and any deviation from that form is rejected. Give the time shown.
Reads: {"hour": 7, "minute": 1, "second": 3}
